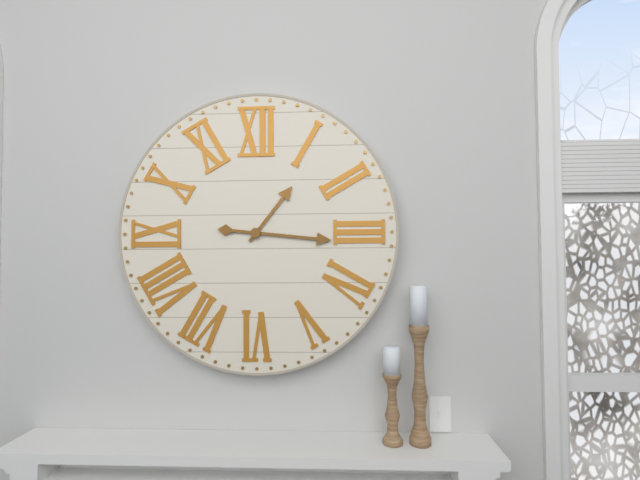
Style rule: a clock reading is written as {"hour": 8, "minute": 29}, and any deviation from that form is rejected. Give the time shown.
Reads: {"hour": 1, "minute": 16}
